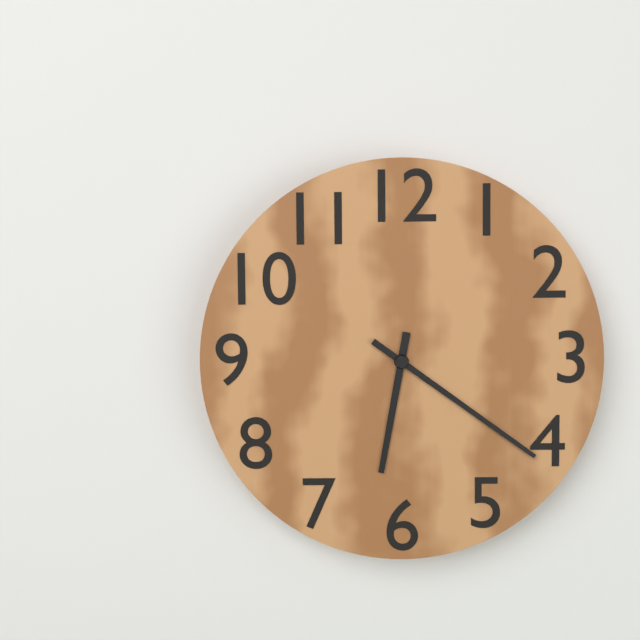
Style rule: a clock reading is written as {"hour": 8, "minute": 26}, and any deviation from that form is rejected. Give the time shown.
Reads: {"hour": 6, "minute": 21}
